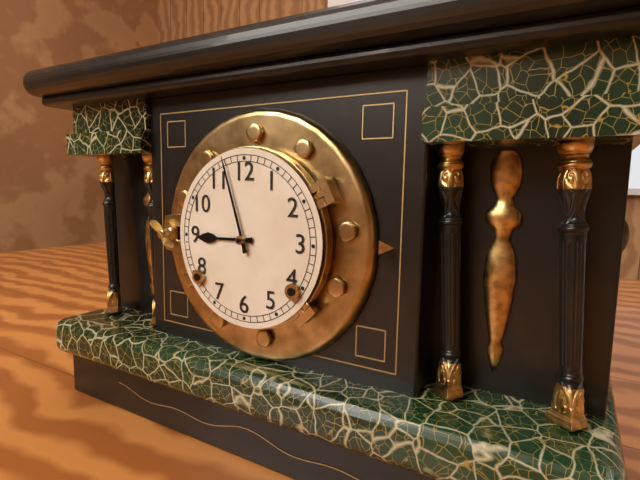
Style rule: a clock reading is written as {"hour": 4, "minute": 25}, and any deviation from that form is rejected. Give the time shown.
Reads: {"hour": 8, "minute": 57}
